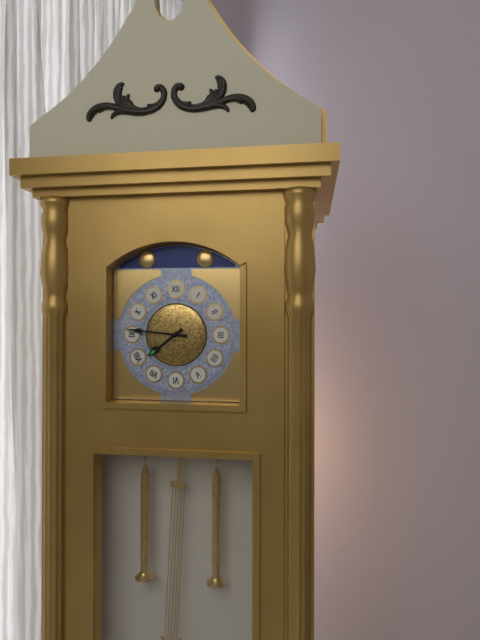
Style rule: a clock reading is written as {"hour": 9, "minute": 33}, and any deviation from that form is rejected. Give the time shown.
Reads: {"hour": 7, "minute": 46}
